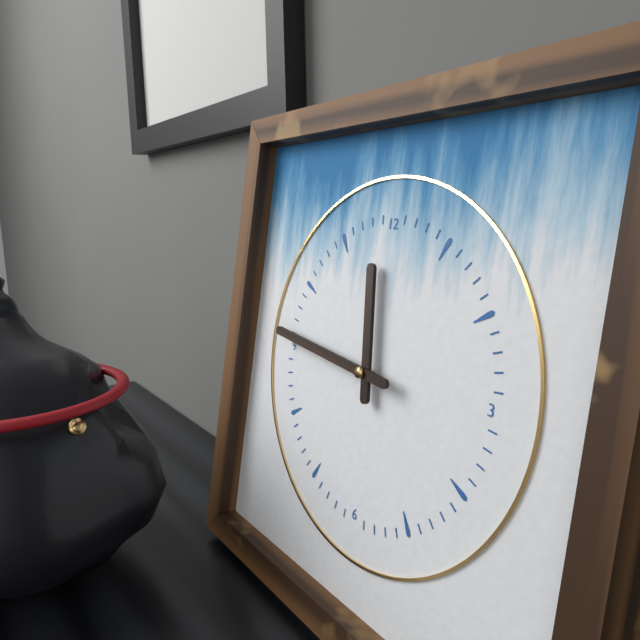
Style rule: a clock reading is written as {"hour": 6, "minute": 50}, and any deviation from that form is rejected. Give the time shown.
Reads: {"hour": 11, "minute": 46}
